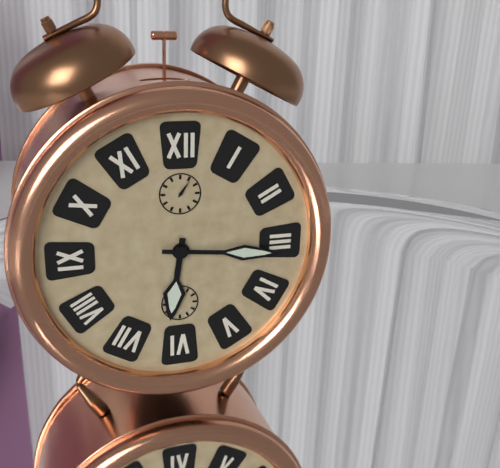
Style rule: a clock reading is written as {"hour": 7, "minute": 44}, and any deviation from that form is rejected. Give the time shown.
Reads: {"hour": 6, "minute": 16}
